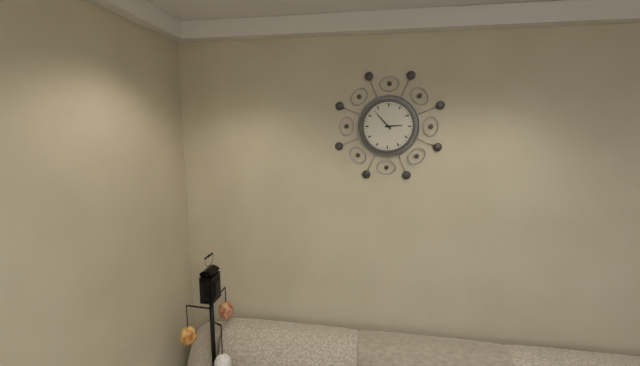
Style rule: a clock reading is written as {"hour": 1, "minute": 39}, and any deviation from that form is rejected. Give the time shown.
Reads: {"hour": 2, "minute": 53}
